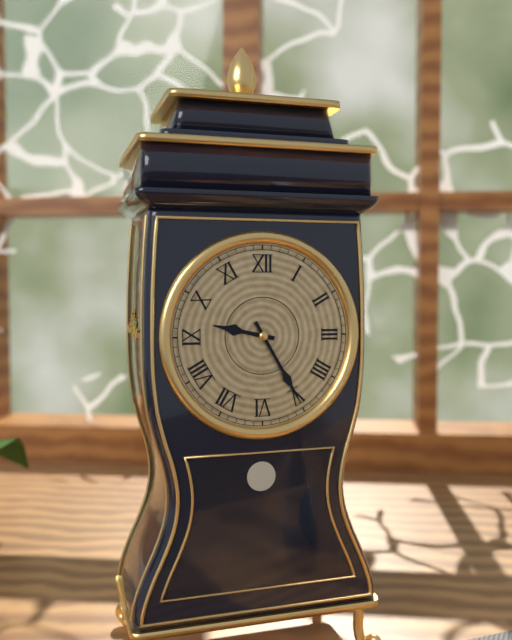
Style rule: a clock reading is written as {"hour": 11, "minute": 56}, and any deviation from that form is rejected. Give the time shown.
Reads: {"hour": 9, "minute": 25}
